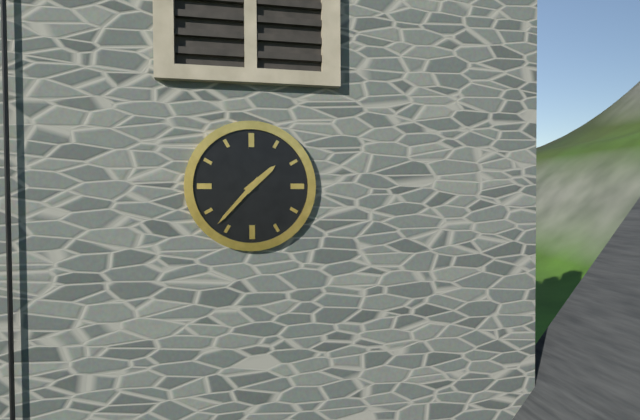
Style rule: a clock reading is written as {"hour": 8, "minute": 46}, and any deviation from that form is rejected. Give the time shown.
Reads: {"hour": 1, "minute": 37}
